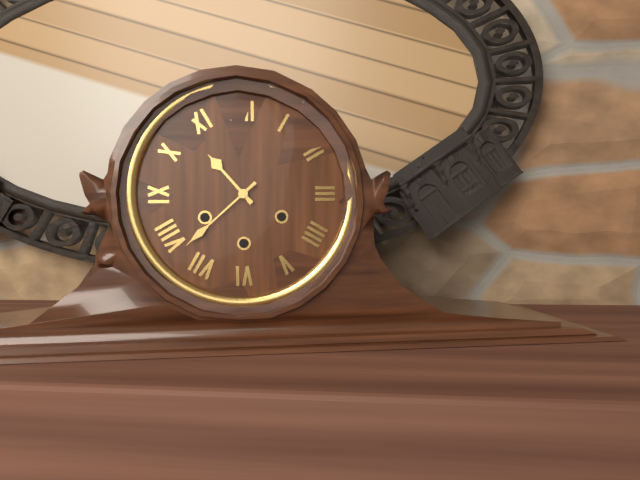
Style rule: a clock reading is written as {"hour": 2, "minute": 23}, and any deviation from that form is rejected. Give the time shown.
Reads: {"hour": 10, "minute": 38}
